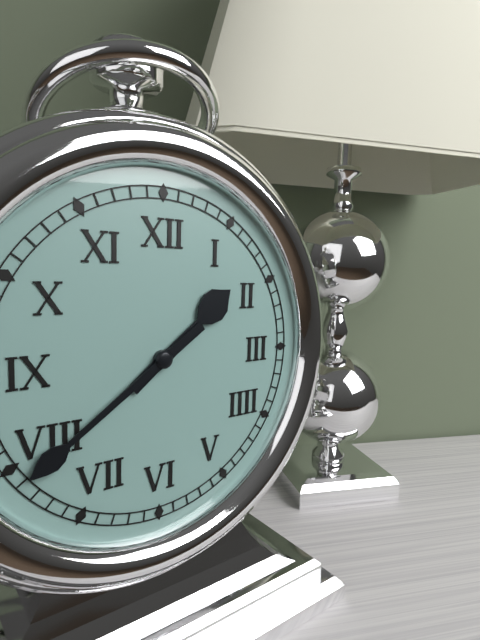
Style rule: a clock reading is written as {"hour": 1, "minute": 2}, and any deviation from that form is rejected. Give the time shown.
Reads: {"hour": 1, "minute": 39}
